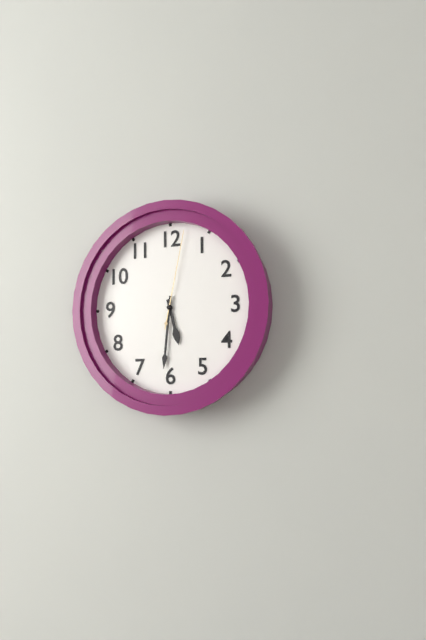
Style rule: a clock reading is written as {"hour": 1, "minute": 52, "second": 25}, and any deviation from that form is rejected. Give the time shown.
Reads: {"hour": 5, "minute": 31, "second": 2}
